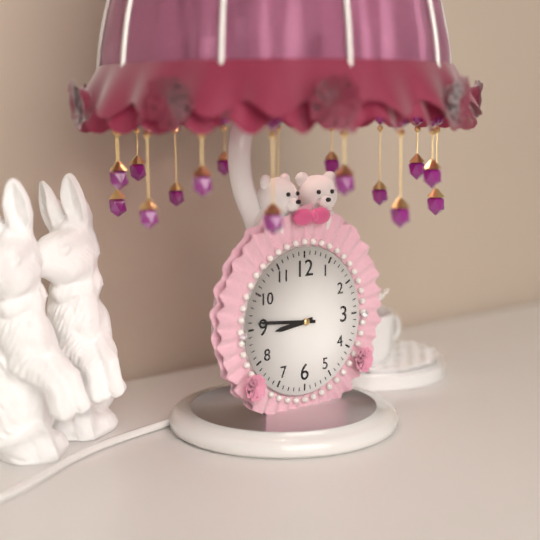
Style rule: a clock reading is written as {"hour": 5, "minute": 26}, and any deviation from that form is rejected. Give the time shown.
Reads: {"hour": 8, "minute": 46}
